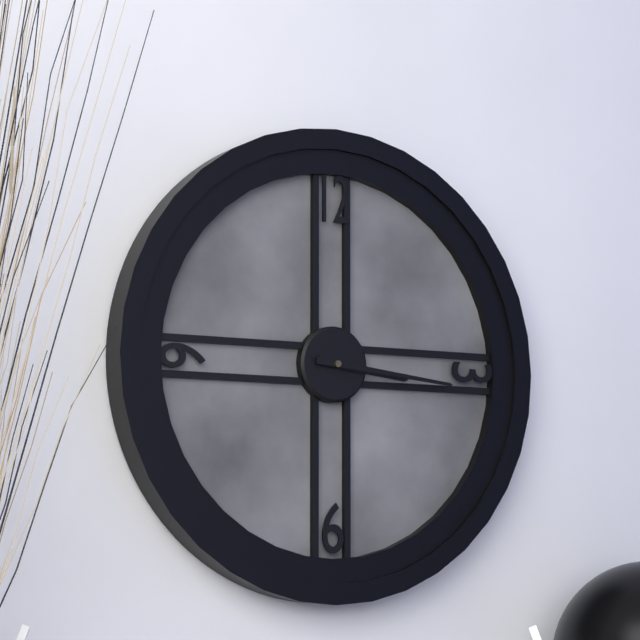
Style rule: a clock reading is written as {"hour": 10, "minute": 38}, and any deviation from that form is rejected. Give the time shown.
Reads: {"hour": 3, "minute": 16}
